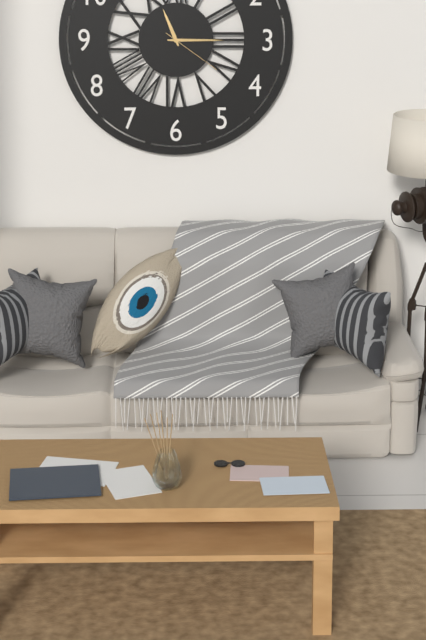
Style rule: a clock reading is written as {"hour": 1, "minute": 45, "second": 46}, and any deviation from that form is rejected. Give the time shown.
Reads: {"hour": 11, "minute": 15, "second": 21}
